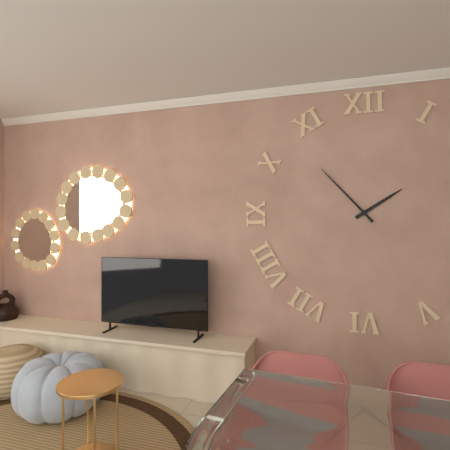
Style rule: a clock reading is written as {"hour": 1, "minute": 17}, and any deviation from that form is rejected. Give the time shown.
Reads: {"hour": 1, "minute": 53}
